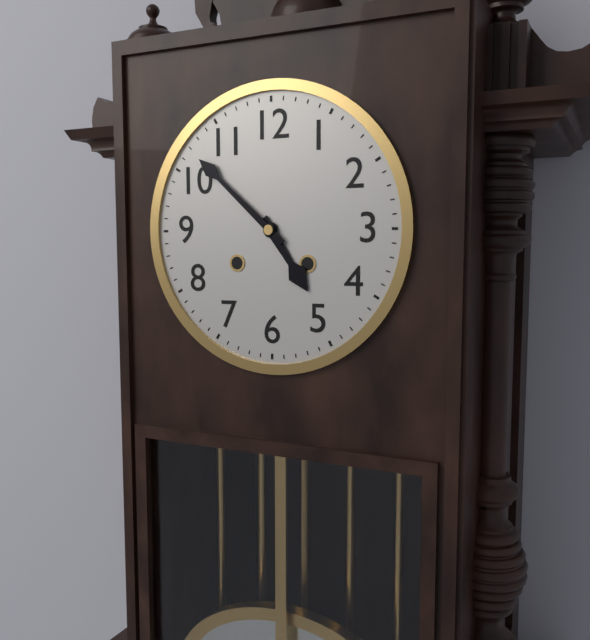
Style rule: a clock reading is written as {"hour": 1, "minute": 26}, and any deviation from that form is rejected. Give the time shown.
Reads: {"hour": 4, "minute": 52}
